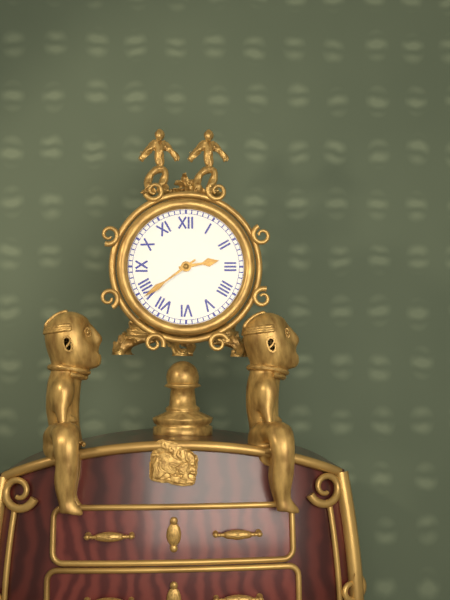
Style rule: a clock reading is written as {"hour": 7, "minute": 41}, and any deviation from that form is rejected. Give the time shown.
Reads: {"hour": 2, "minute": 39}
